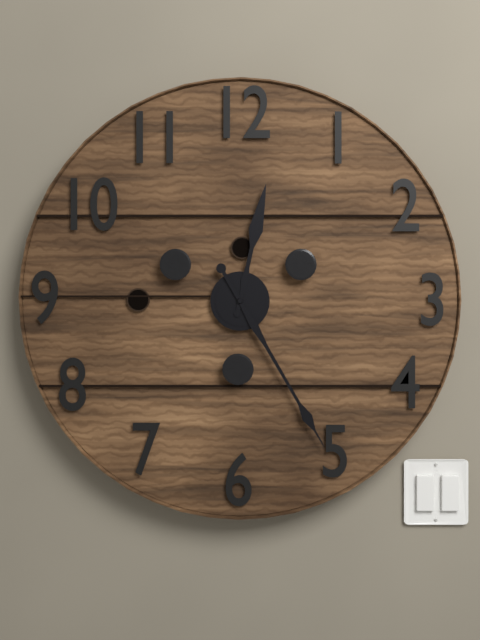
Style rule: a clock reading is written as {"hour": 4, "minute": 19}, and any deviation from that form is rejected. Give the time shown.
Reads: {"hour": 12, "minute": 25}
